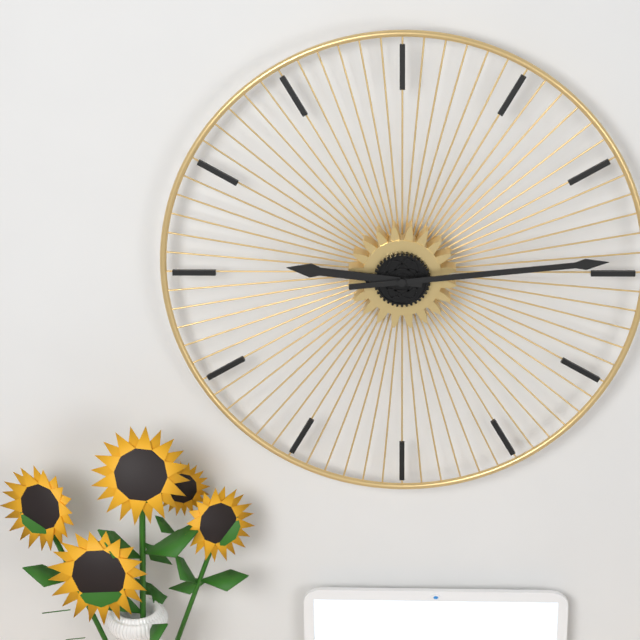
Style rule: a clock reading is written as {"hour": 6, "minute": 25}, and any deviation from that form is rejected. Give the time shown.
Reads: {"hour": 9, "minute": 14}
